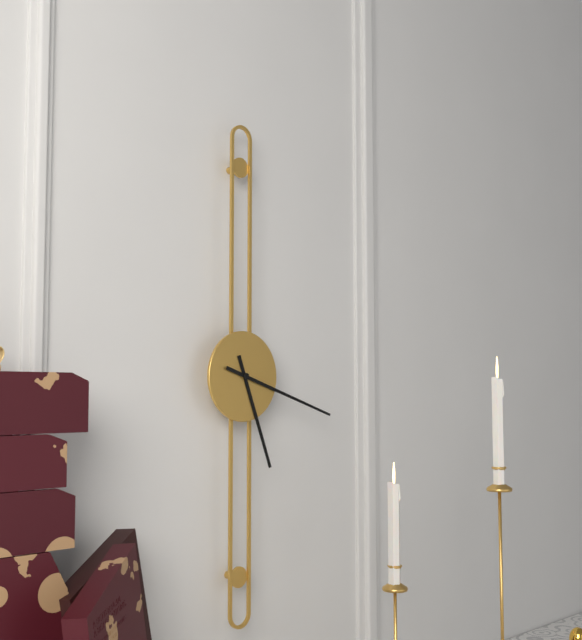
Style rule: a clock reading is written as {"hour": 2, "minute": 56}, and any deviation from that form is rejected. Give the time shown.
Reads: {"hour": 5, "minute": 18}
